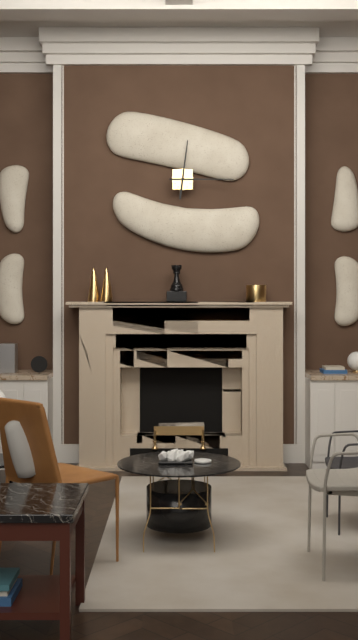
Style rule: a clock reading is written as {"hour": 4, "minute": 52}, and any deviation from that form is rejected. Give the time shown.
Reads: {"hour": 12, "minute": 15}
